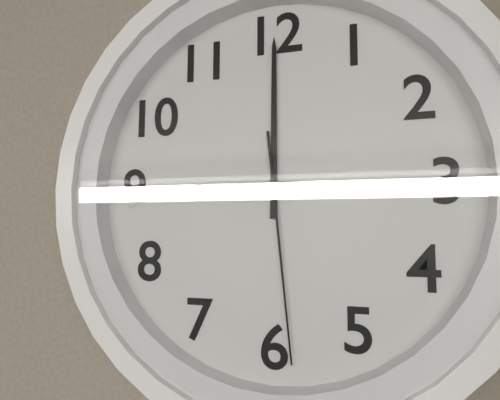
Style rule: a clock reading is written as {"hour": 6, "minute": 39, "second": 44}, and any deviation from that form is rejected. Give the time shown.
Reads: {"hour": 9, "minute": 0, "second": 29}
